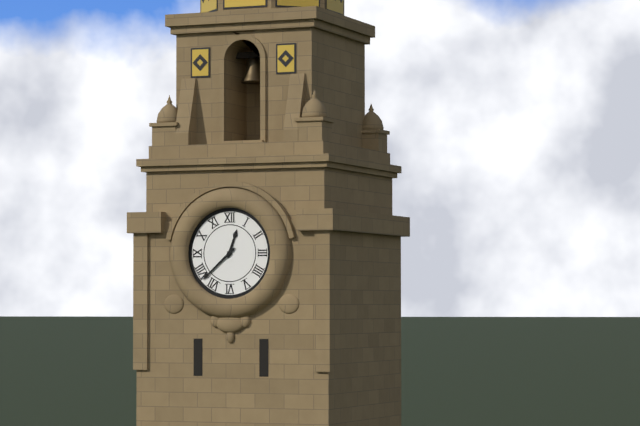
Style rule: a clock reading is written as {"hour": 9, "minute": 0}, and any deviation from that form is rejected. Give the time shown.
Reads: {"hour": 12, "minute": 38}
